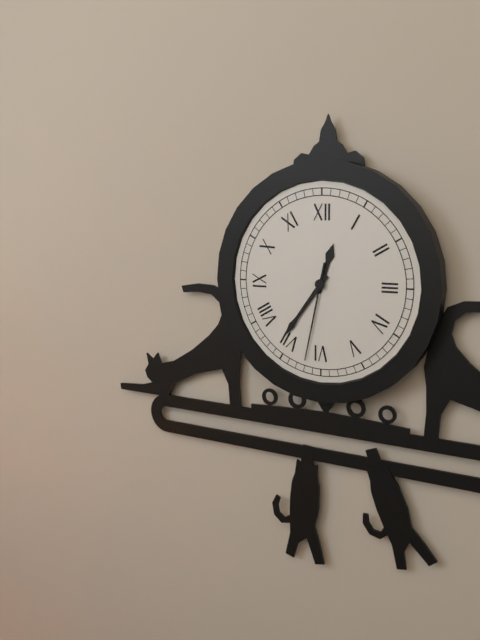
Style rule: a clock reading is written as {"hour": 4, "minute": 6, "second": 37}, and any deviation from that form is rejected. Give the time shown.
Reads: {"hour": 12, "minute": 36, "second": 32}
